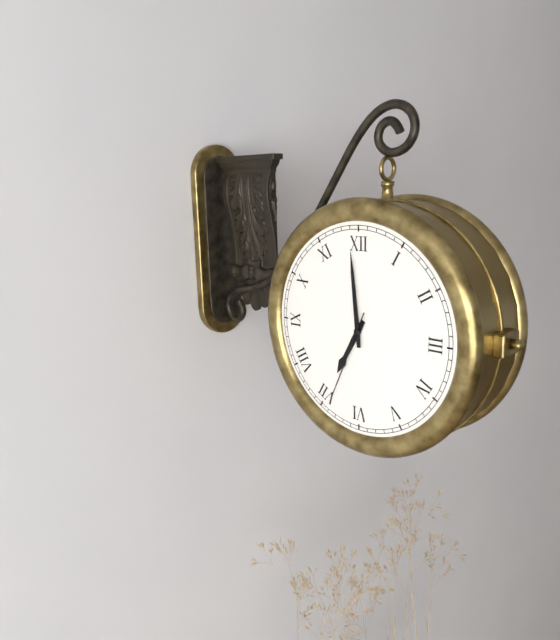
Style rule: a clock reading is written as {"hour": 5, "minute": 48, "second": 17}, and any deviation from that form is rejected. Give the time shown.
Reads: {"hour": 6, "minute": 59, "second": 34}
